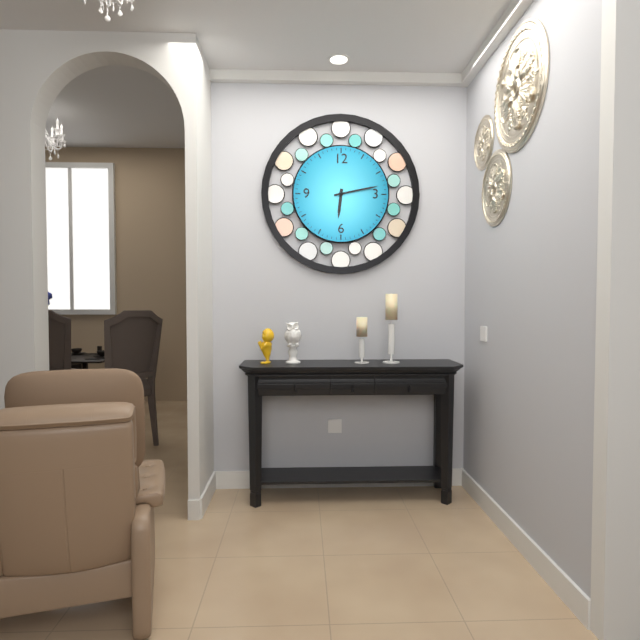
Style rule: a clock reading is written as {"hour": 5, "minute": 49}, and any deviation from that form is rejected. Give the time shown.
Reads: {"hour": 6, "minute": 13}
